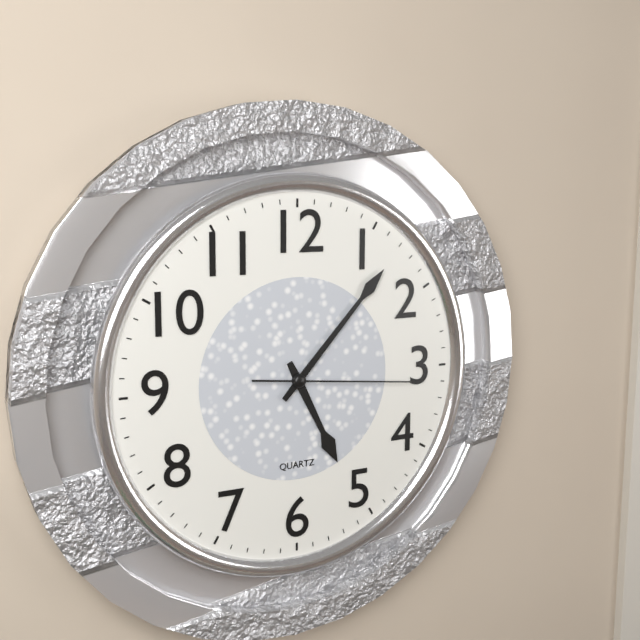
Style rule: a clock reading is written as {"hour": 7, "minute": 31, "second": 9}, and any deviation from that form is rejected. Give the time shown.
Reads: {"hour": 5, "minute": 7, "second": 16}
